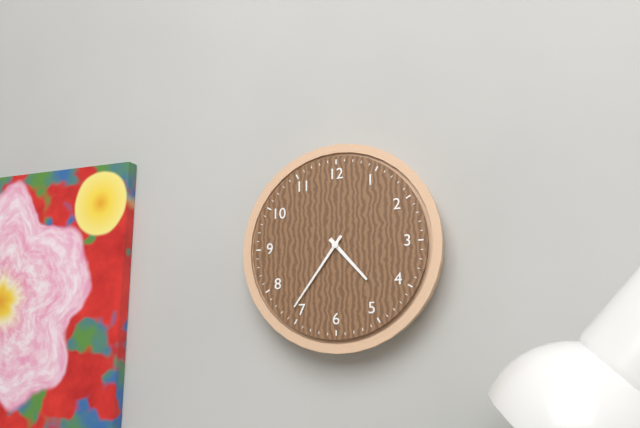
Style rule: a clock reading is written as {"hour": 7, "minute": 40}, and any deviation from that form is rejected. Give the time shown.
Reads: {"hour": 4, "minute": 36}
